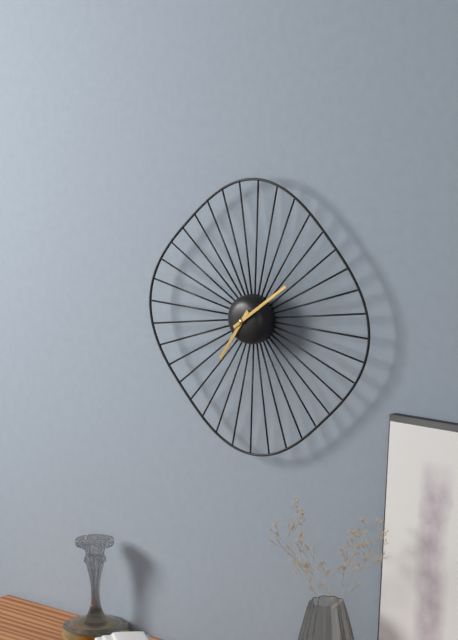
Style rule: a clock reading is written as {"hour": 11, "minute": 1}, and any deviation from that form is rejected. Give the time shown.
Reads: {"hour": 7, "minute": 9}
